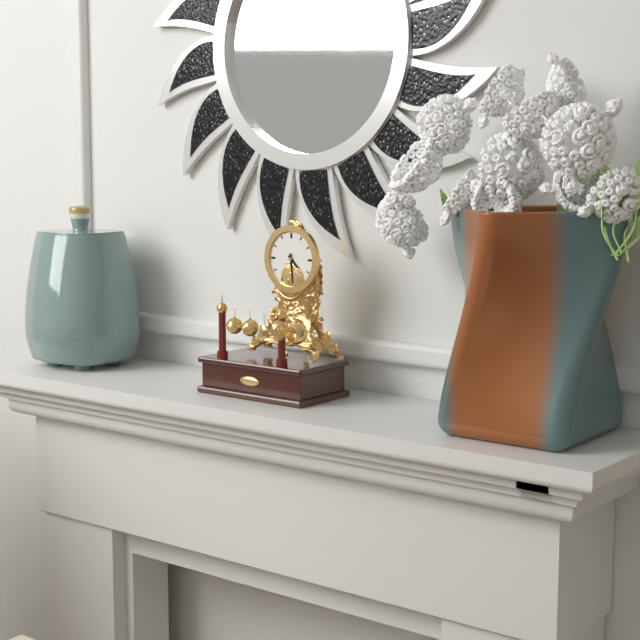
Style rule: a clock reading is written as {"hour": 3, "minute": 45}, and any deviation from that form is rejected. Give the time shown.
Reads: {"hour": 4, "minute": 29}
